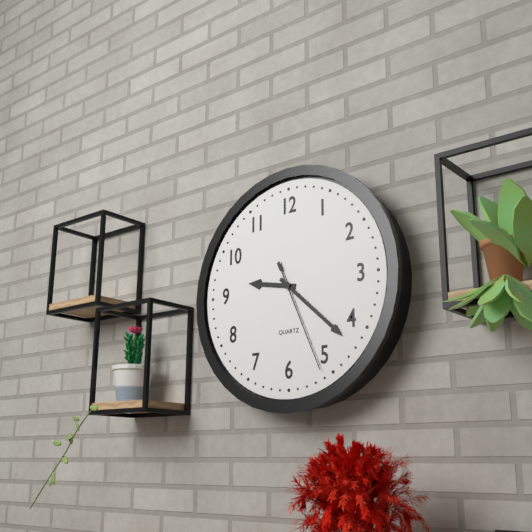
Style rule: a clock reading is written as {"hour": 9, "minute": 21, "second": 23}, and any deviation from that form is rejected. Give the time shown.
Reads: {"hour": 9, "minute": 22, "second": 26}
